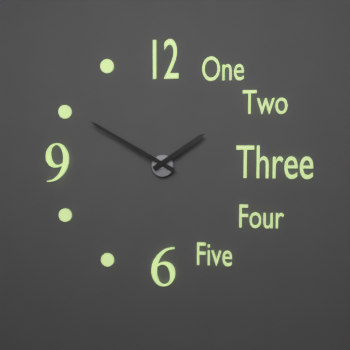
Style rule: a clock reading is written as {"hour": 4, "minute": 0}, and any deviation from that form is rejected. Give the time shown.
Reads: {"hour": 1, "minute": 50}
